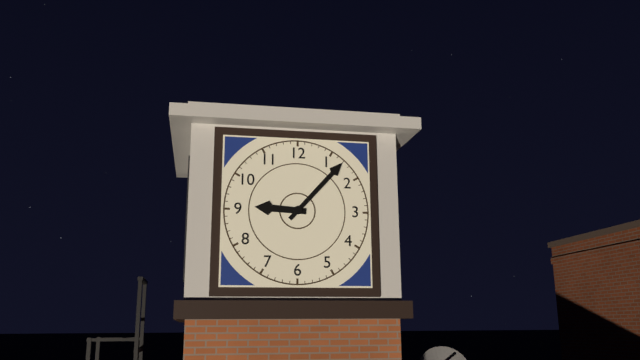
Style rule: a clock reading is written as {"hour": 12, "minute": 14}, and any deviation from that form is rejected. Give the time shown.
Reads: {"hour": 9, "minute": 7}
